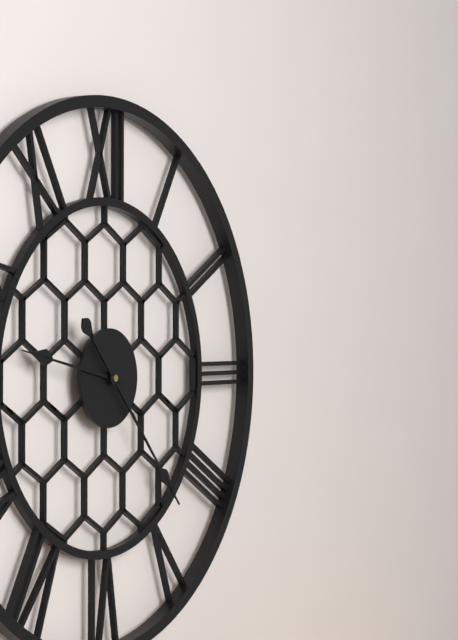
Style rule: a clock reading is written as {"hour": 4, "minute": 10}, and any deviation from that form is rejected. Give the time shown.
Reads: {"hour": 9, "minute": 23}
